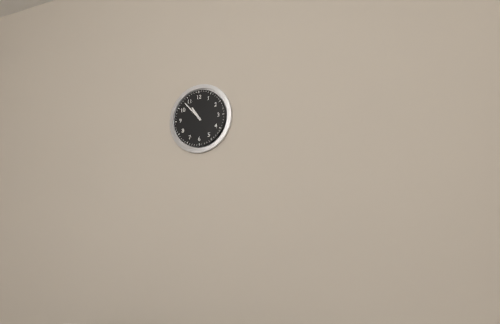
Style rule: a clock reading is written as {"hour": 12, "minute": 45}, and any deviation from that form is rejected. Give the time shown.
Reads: {"hour": 10, "minute": 53}
